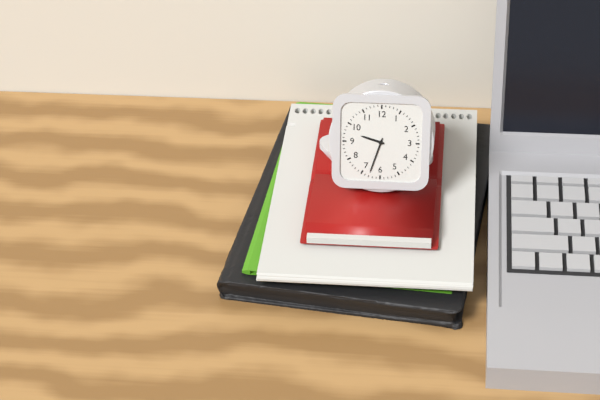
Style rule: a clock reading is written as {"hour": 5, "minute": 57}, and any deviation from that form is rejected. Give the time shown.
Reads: {"hour": 9, "minute": 33}
